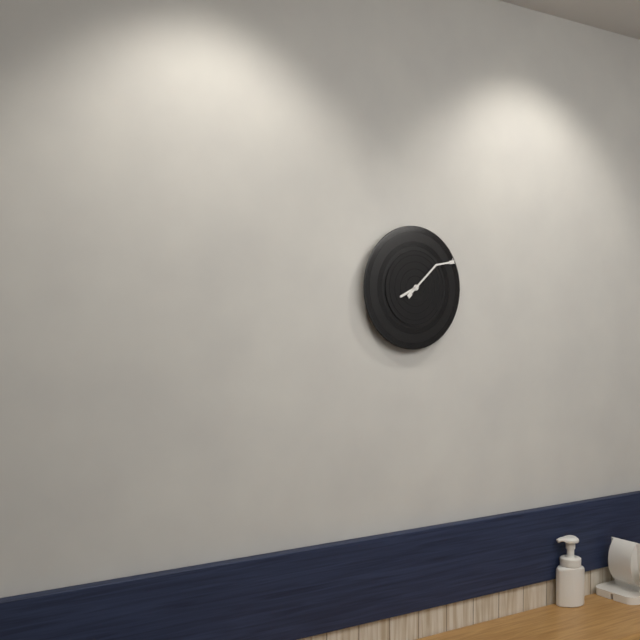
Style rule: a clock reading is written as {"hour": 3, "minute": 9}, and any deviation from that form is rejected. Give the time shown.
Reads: {"hour": 8, "minute": 8}
